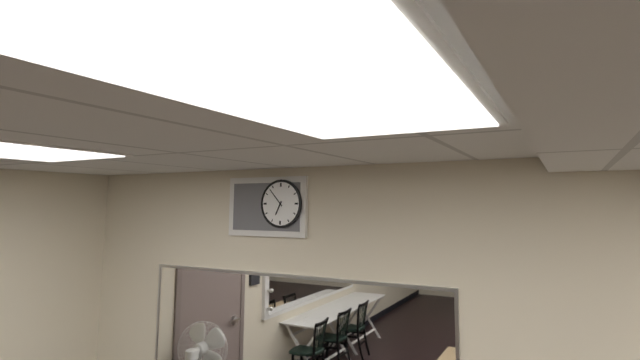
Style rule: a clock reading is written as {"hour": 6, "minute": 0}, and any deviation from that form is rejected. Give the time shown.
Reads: {"hour": 6, "minute": 53}
